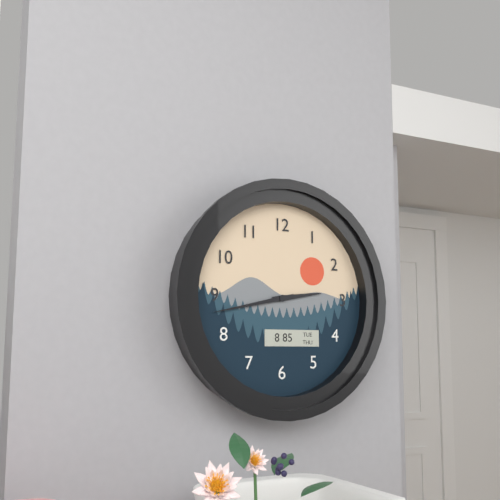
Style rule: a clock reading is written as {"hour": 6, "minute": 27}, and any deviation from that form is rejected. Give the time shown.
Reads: {"hour": 2, "minute": 43}
